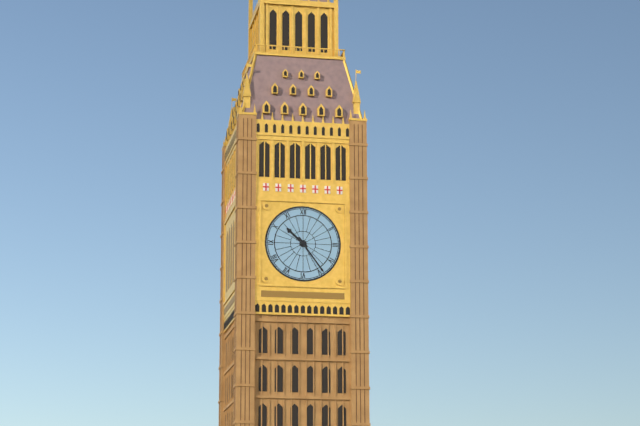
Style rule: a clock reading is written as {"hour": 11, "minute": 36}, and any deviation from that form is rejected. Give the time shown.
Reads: {"hour": 10, "minute": 24}
